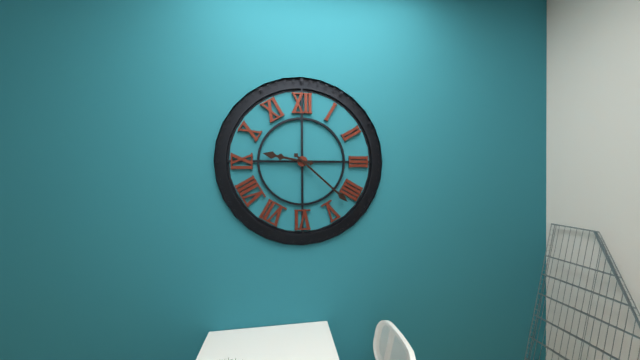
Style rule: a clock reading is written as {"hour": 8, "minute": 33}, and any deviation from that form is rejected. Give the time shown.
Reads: {"hour": 9, "minute": 22}
